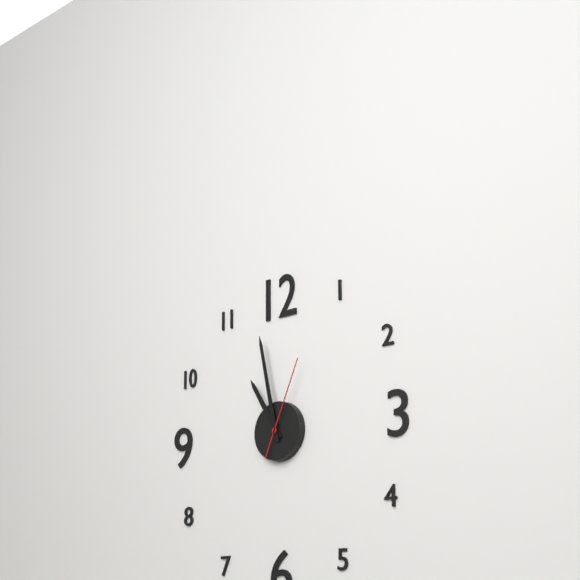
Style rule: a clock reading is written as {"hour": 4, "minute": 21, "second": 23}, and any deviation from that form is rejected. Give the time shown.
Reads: {"hour": 10, "minute": 58, "second": 4}
